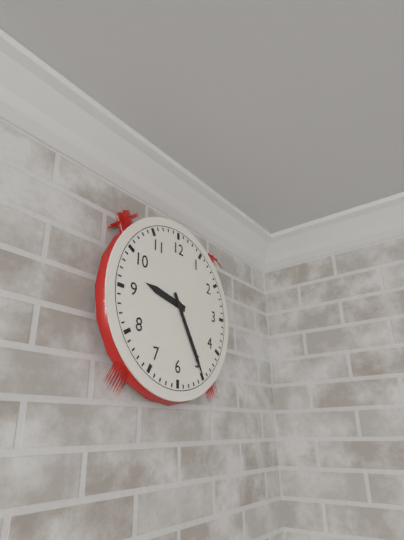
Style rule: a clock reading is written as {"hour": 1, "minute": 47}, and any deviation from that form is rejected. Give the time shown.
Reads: {"hour": 9, "minute": 25}
